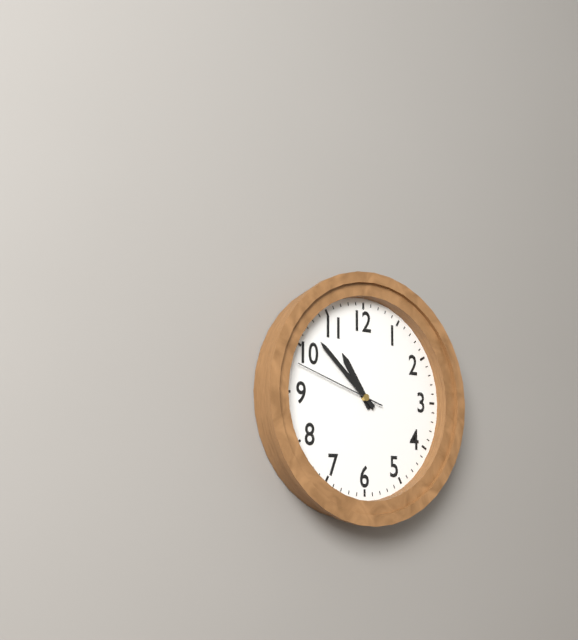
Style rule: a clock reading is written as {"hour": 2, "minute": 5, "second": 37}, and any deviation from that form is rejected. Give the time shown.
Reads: {"hour": 10, "minute": 52, "second": 48}
